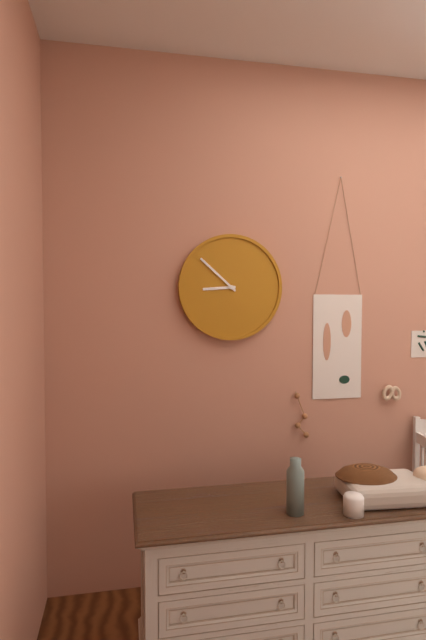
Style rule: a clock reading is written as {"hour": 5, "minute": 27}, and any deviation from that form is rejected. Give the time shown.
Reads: {"hour": 8, "minute": 52}
